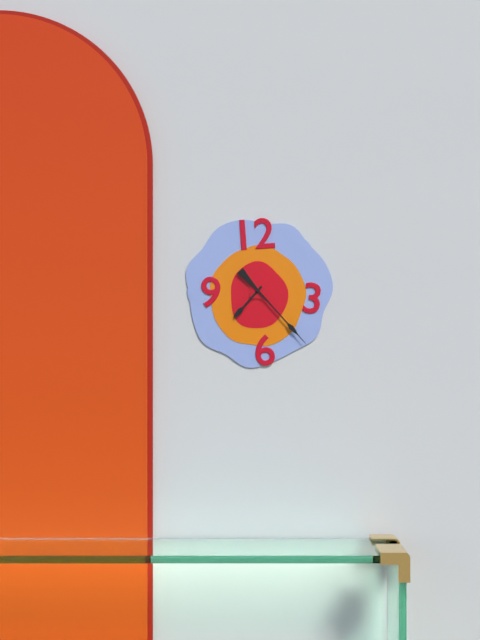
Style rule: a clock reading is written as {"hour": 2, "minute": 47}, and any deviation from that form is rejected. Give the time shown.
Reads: {"hour": 7, "minute": 23}
